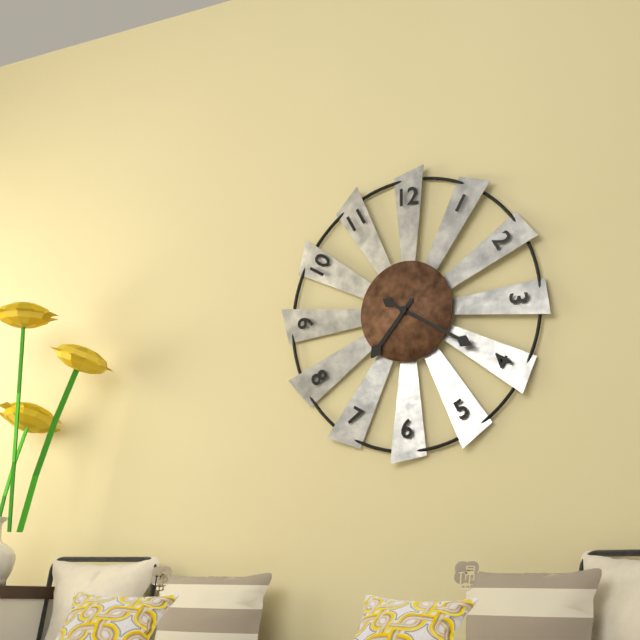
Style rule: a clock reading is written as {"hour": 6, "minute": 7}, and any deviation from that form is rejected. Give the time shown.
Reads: {"hour": 7, "minute": 20}
